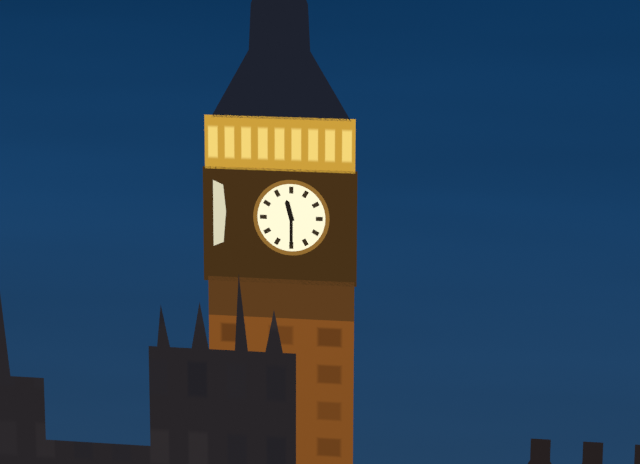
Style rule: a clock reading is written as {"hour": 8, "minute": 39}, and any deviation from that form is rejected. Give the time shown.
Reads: {"hour": 11, "minute": 30}
